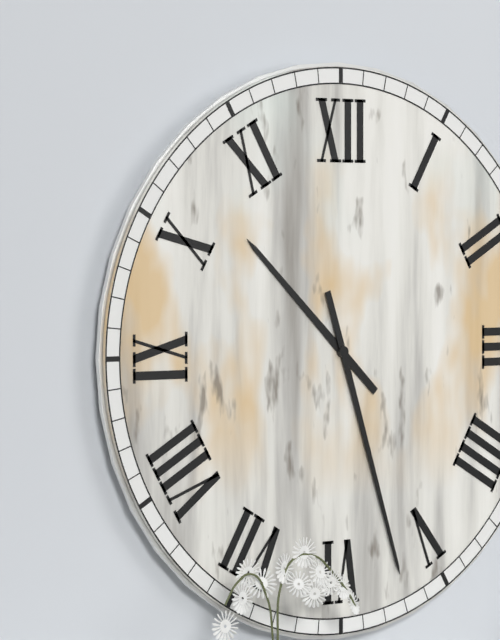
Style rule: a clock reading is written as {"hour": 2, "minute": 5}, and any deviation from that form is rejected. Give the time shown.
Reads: {"hour": 10, "minute": 27}
